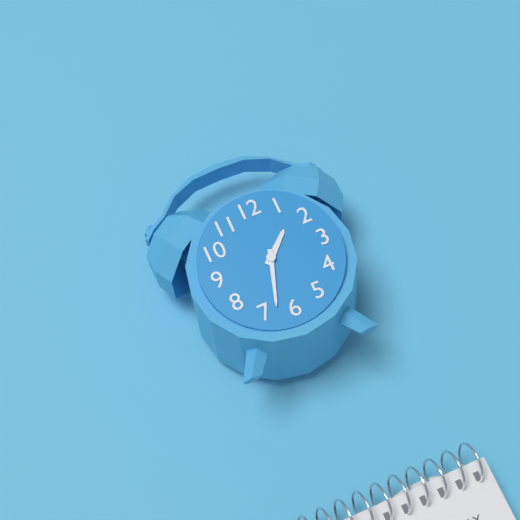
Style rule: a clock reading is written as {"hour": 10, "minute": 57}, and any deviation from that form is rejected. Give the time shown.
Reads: {"hour": 1, "minute": 33}
